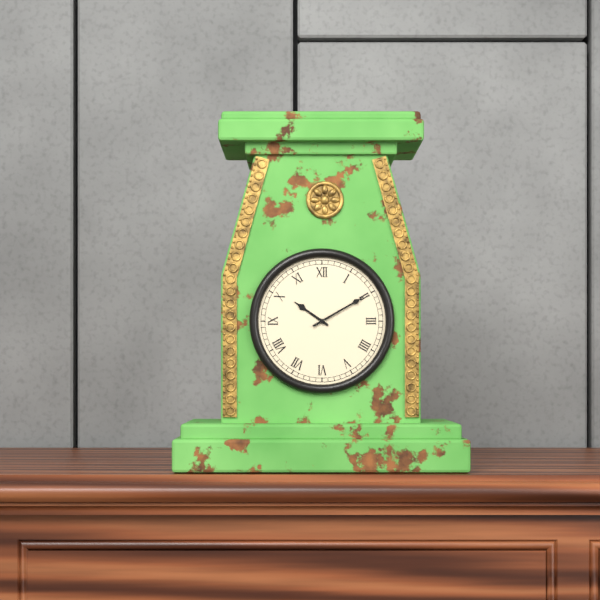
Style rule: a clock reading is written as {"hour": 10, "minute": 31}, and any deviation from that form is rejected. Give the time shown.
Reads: {"hour": 10, "minute": 10}
